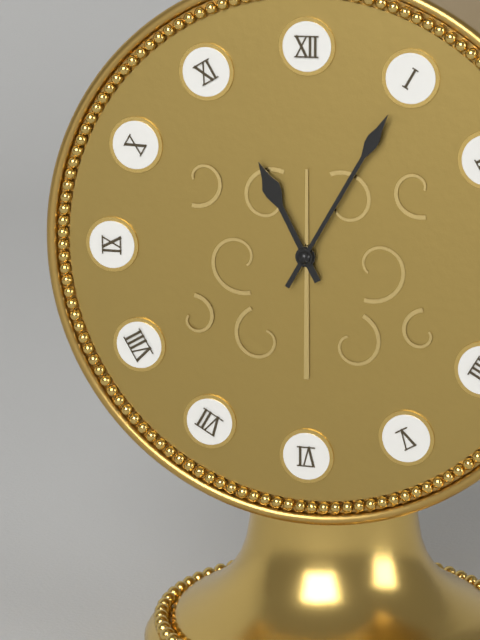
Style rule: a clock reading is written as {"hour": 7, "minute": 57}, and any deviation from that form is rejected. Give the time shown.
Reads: {"hour": 11, "minute": 5}
